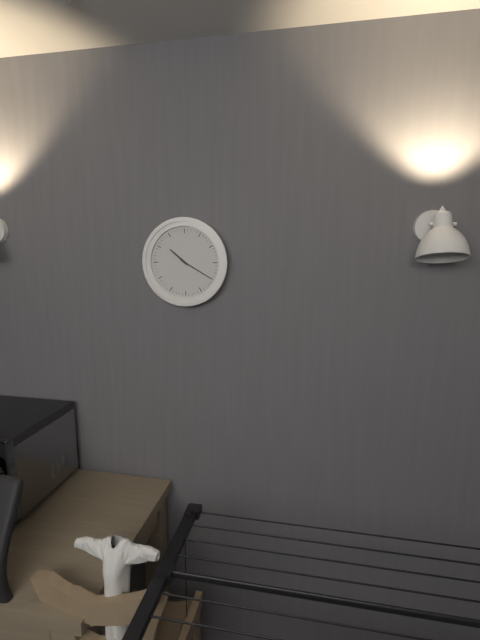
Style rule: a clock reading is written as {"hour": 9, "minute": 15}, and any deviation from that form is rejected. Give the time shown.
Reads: {"hour": 10, "minute": 20}
